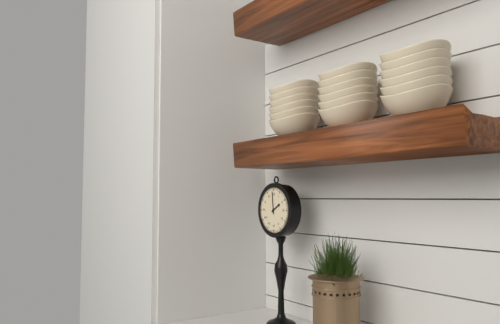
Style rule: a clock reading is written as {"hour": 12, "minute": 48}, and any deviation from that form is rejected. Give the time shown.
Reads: {"hour": 1, "minute": 59}
